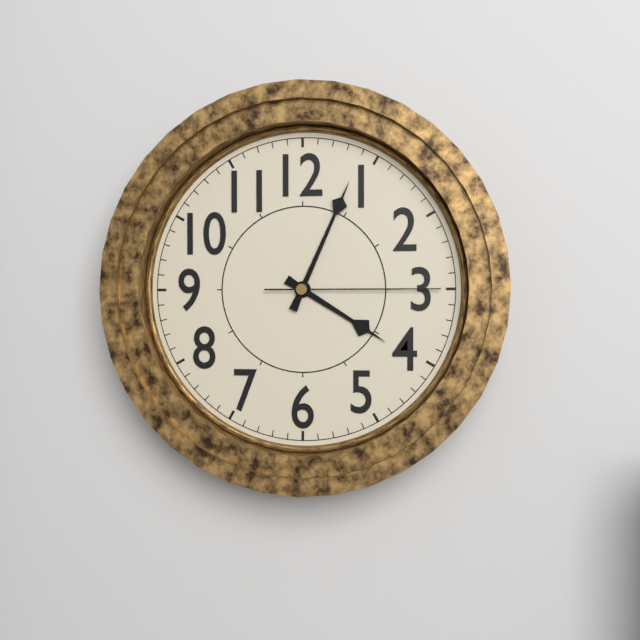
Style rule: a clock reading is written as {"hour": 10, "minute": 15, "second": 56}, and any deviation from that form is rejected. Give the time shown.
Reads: {"hour": 4, "minute": 4, "second": 15}
